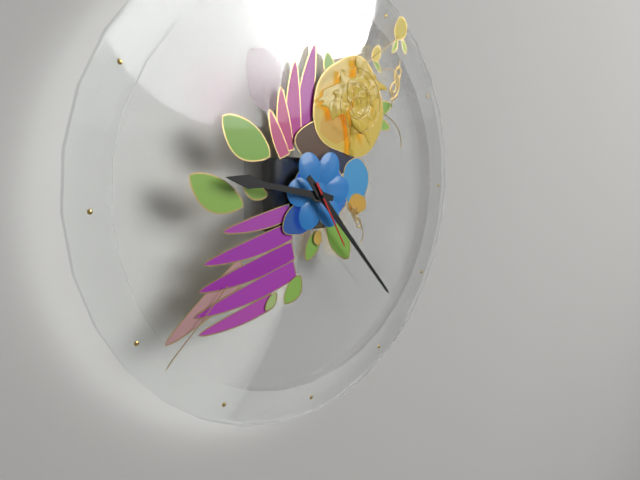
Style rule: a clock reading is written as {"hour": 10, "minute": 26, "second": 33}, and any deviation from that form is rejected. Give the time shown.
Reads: {"hour": 9, "minute": 23, "second": 25}
